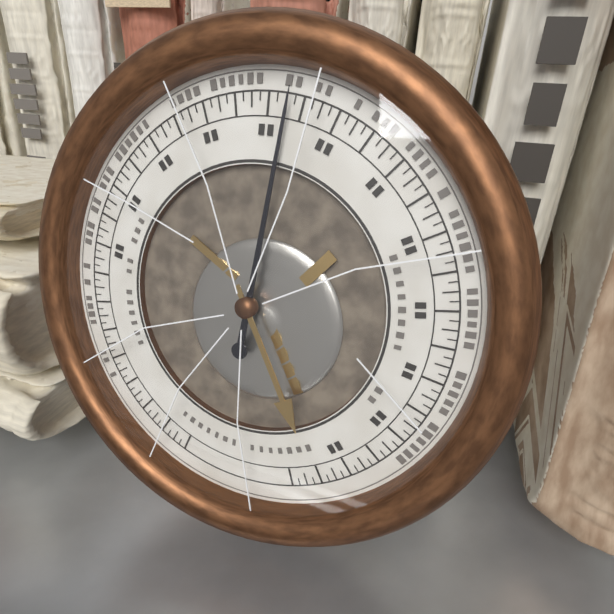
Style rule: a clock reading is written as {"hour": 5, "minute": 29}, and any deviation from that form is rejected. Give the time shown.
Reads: {"hour": 5, "minute": 1}
